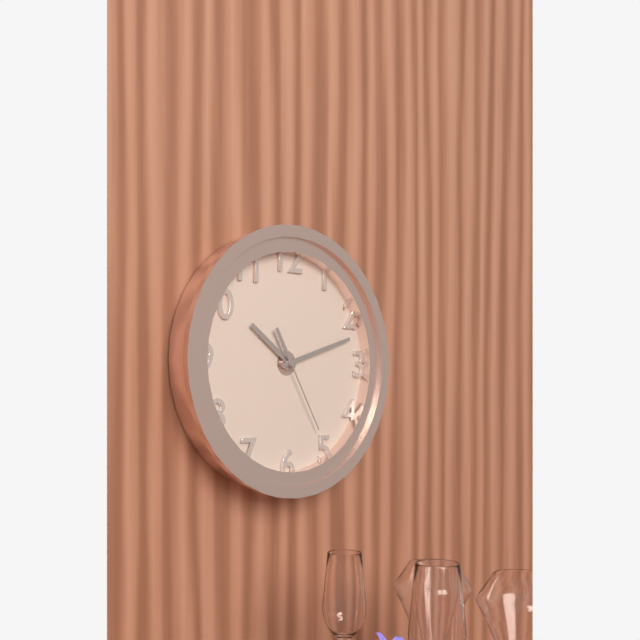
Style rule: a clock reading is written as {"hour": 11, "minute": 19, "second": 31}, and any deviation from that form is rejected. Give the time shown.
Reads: {"hour": 10, "minute": 12, "second": 25}
